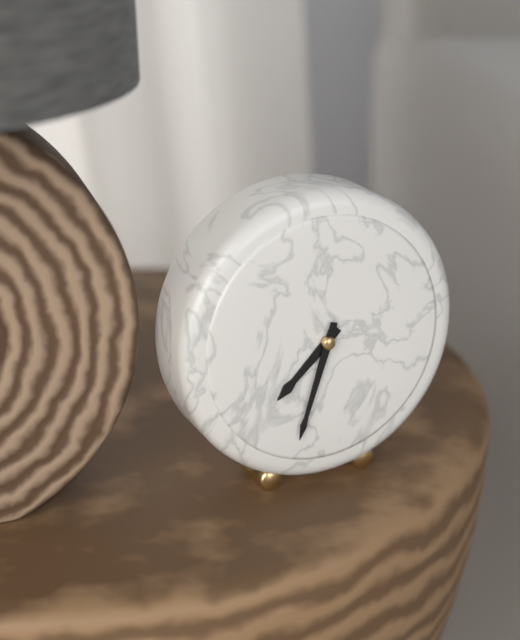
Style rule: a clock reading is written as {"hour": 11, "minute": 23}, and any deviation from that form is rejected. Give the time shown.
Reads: {"hour": 7, "minute": 33}
